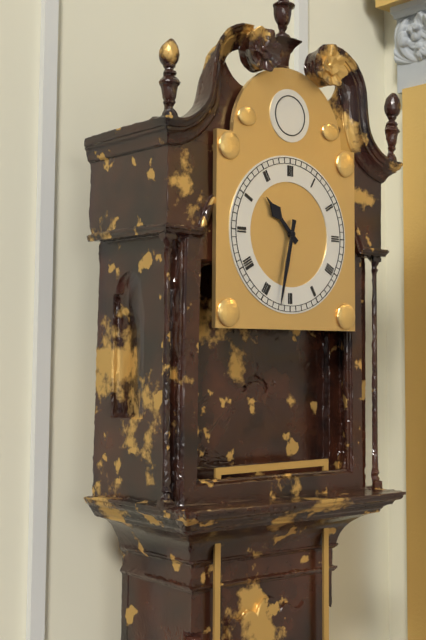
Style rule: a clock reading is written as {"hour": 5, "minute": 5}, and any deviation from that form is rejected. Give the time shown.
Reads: {"hour": 10, "minute": 32}
